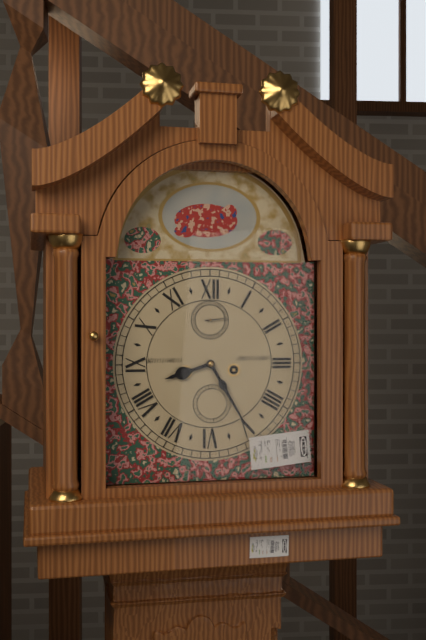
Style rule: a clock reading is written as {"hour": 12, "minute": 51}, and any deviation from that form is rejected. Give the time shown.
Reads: {"hour": 8, "minute": 25}
